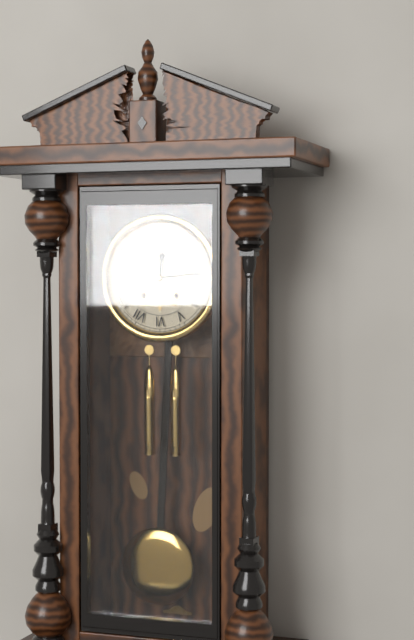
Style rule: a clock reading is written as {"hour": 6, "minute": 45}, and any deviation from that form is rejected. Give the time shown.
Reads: {"hour": 12, "minute": 14}
